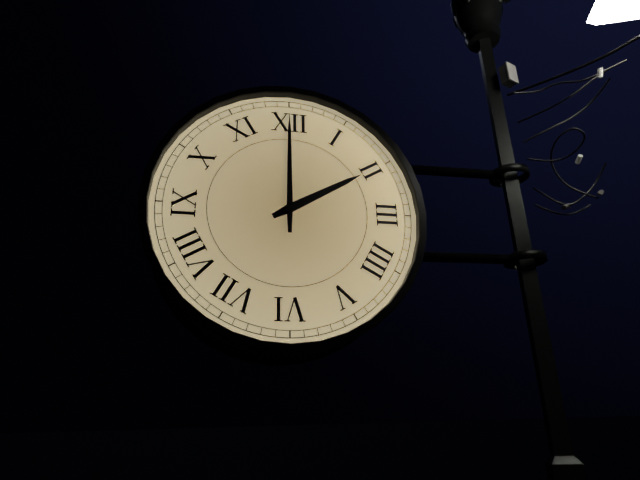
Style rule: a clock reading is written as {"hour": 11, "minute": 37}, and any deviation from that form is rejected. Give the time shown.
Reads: {"hour": 2, "minute": 0}
